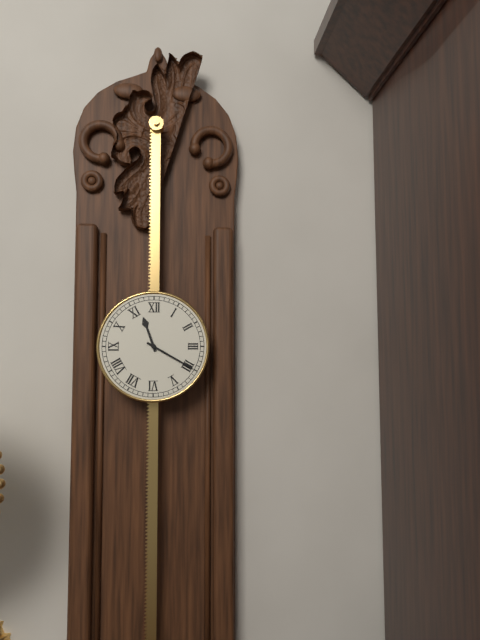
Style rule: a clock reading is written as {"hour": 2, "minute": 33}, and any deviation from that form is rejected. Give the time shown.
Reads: {"hour": 11, "minute": 20}
